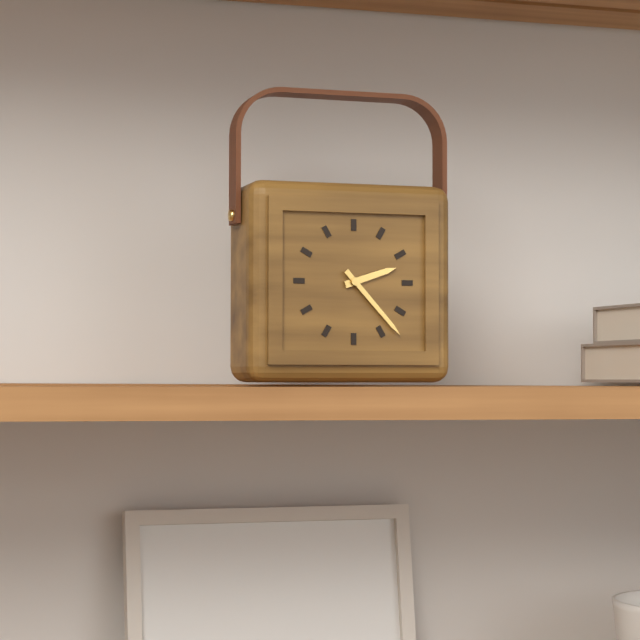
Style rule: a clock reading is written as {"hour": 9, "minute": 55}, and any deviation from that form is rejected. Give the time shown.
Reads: {"hour": 2, "minute": 23}
